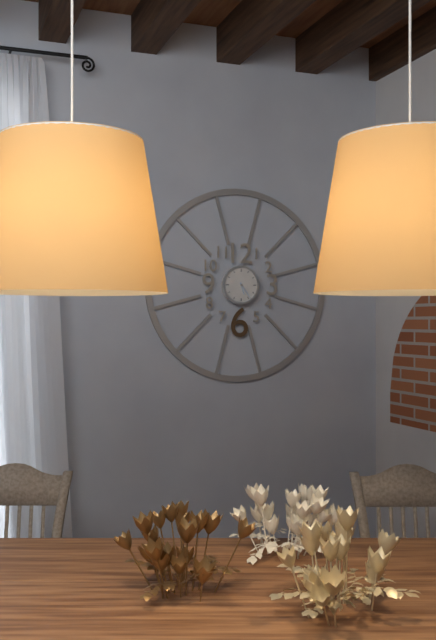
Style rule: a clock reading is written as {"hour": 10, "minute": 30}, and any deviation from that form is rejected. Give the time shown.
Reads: {"hour": 5, "minute": 24}
